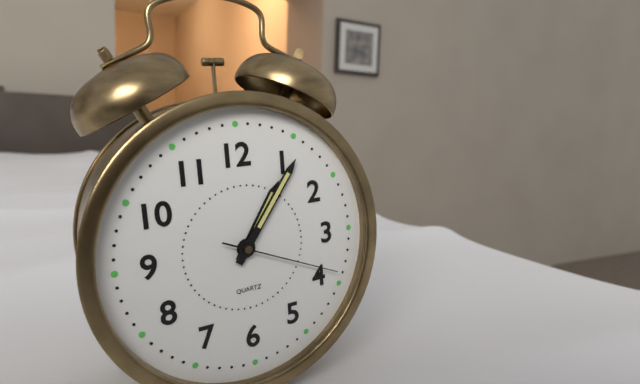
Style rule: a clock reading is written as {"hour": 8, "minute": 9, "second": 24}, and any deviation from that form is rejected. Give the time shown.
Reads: {"hour": 1, "minute": 6, "second": 19}
